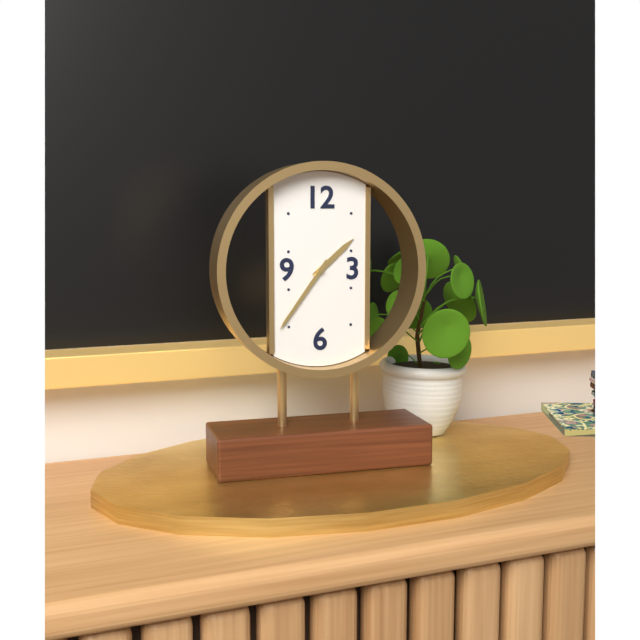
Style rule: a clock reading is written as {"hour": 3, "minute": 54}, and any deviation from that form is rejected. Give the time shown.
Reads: {"hour": 1, "minute": 36}
